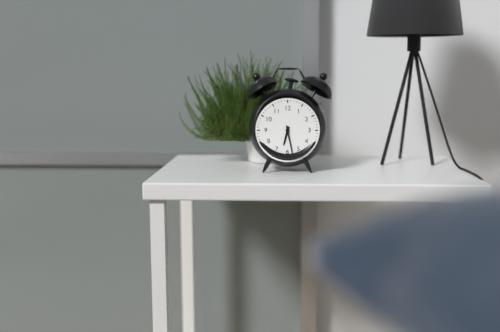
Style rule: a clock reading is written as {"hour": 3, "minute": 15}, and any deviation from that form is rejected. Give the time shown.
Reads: {"hour": 6, "minute": 28}
